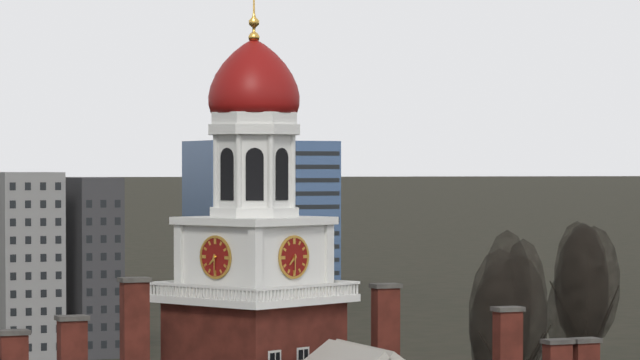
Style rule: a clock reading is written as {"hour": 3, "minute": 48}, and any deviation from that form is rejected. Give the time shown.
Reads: {"hour": 7, "minute": 30}
